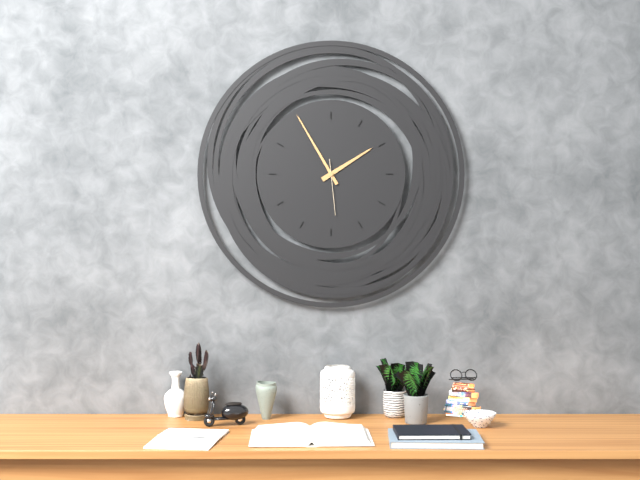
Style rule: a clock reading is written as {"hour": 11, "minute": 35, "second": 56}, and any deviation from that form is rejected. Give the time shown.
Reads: {"hour": 1, "minute": 55, "second": 29}
